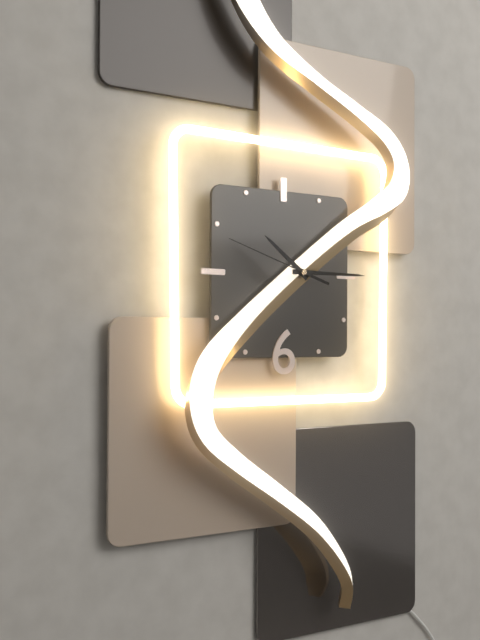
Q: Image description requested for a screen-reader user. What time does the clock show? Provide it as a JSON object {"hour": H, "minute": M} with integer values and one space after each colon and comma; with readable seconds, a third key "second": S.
{"hour": 10, "minute": 15, "second": 48}
